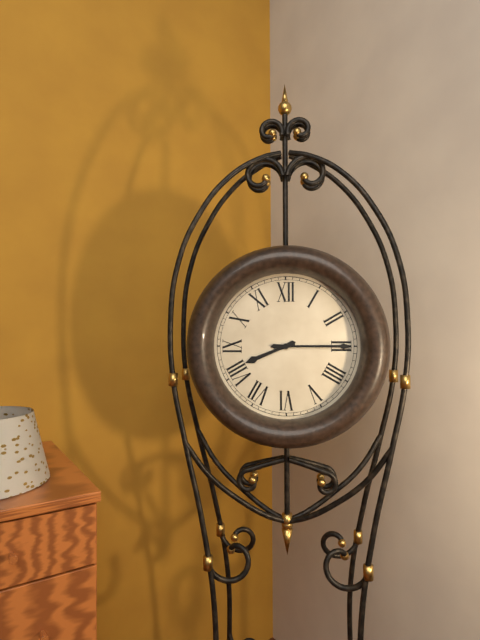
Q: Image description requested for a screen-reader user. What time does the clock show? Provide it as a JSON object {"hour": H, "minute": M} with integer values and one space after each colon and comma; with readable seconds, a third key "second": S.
{"hour": 8, "minute": 15}
